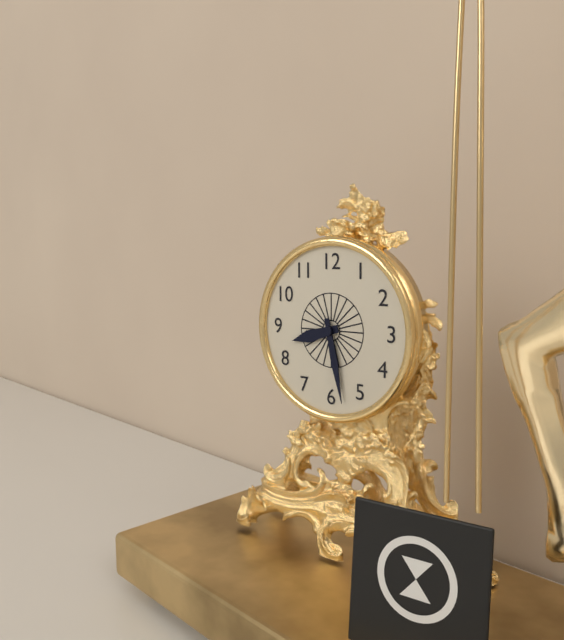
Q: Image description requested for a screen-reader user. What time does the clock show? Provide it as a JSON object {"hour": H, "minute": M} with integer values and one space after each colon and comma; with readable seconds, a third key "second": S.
{"hour": 8, "minute": 28}
